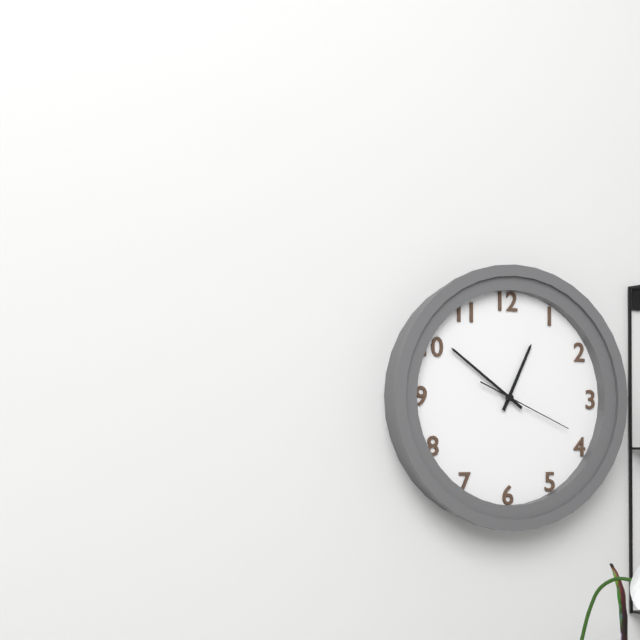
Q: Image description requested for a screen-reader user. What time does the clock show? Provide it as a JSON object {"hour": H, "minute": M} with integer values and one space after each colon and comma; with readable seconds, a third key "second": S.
{"hour": 12, "minute": 51, "second": 19}
